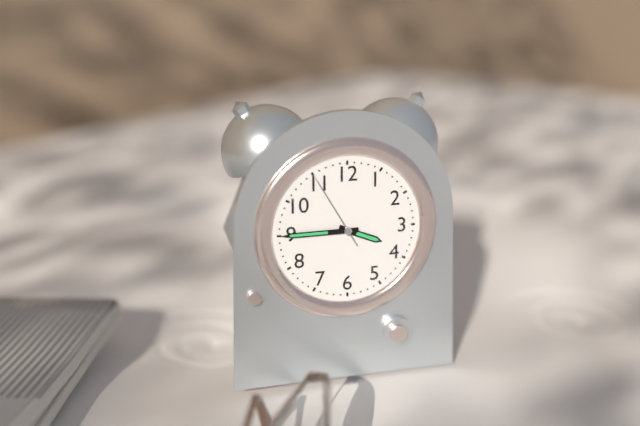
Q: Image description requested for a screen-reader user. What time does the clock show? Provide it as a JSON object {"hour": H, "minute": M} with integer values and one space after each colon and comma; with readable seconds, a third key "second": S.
{"hour": 3, "minute": 45, "second": 55}
